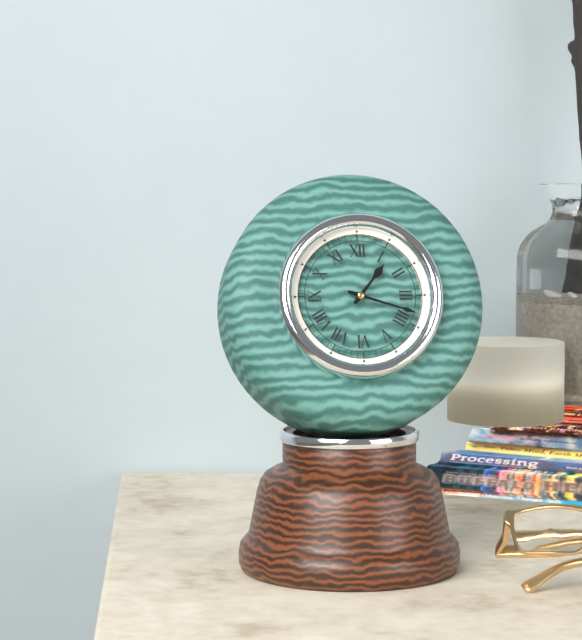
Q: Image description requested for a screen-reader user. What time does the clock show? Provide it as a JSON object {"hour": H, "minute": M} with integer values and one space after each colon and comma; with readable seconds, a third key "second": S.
{"hour": 1, "minute": 18}
